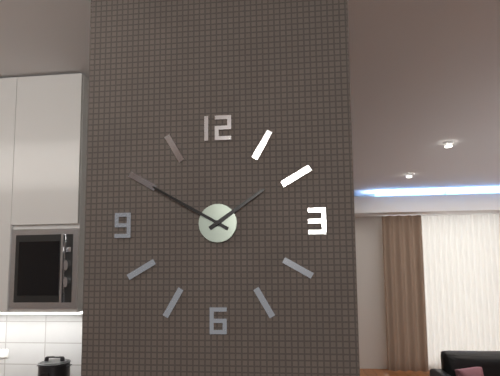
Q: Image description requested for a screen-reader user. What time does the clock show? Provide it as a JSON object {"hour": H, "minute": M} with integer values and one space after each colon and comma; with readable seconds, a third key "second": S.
{"hour": 1, "minute": 50}
